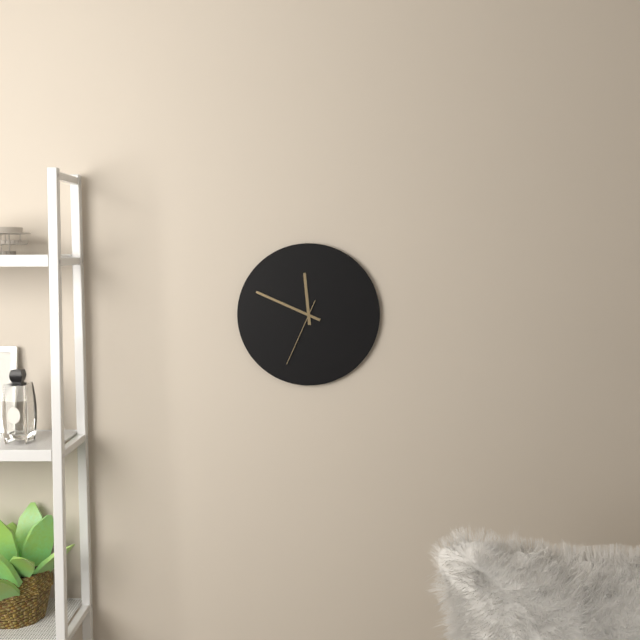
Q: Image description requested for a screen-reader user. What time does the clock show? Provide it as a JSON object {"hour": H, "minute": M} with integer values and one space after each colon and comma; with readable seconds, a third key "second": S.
{"hour": 11, "minute": 49, "second": 34}
